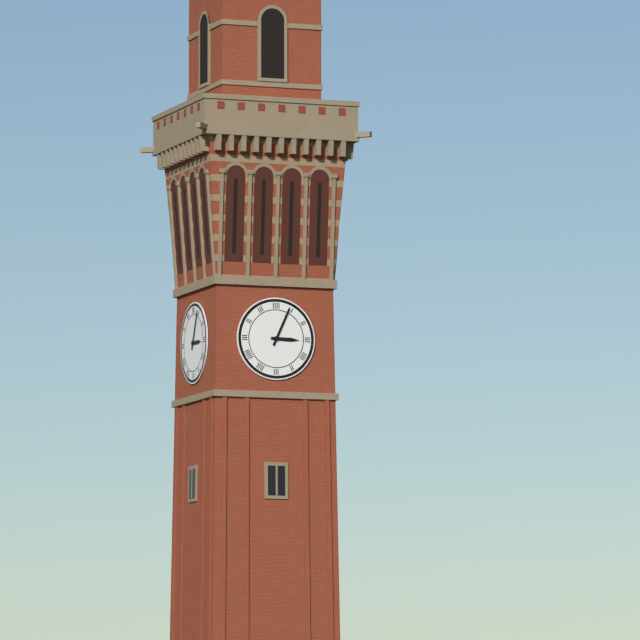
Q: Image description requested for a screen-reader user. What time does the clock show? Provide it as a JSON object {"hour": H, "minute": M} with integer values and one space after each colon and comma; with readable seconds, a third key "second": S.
{"hour": 3, "minute": 4}
